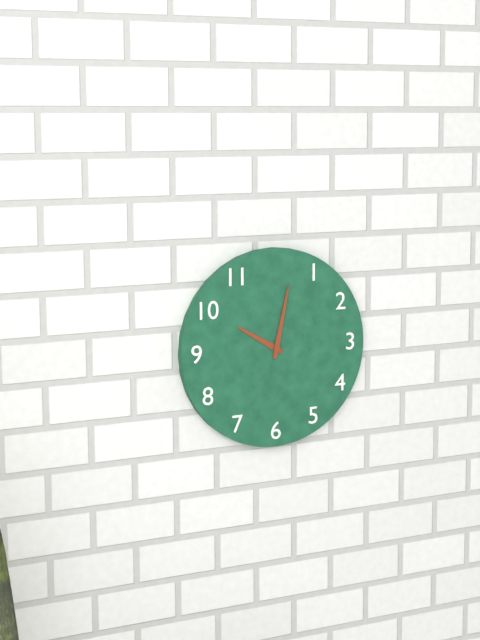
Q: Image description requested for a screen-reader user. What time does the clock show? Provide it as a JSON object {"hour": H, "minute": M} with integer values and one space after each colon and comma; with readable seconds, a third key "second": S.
{"hour": 10, "minute": 2}
